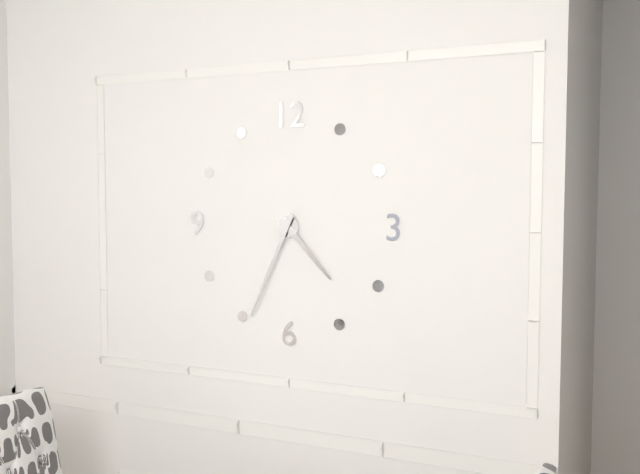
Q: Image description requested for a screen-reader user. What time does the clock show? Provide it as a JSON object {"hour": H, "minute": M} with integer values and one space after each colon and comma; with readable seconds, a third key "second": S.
{"hour": 4, "minute": 34}
